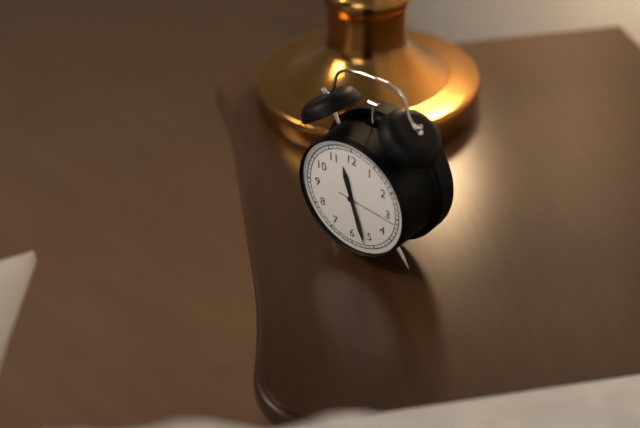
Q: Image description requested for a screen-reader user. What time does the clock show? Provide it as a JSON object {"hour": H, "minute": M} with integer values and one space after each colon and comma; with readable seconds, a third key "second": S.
{"hour": 11, "minute": 27, "second": 16}
